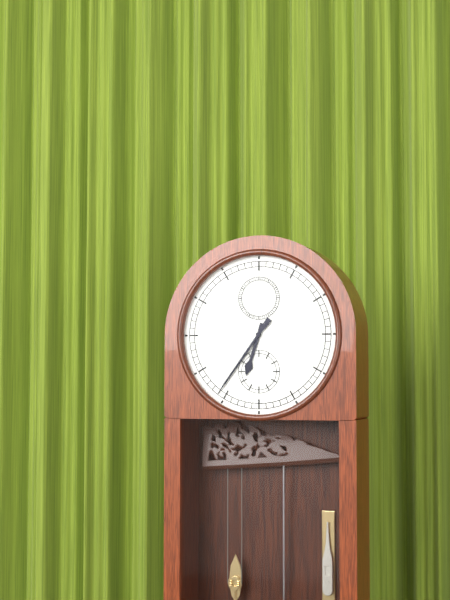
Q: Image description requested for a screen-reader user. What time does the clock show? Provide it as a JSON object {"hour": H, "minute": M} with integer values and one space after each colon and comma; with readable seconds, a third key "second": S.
{"hour": 6, "minute": 36}
